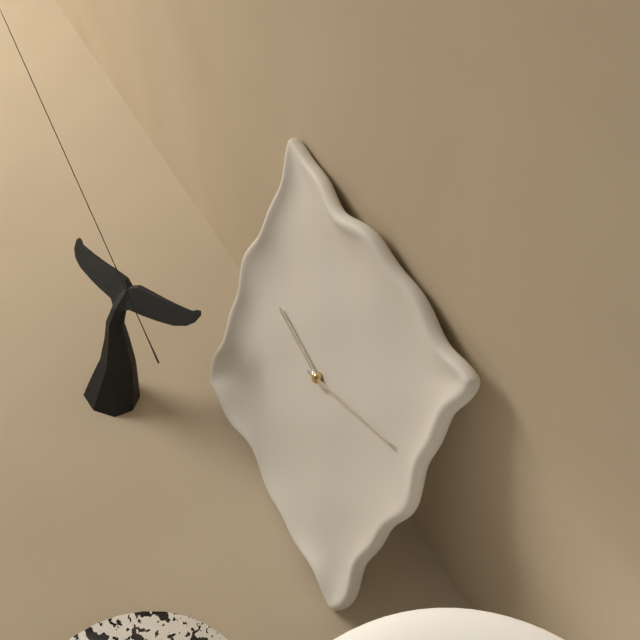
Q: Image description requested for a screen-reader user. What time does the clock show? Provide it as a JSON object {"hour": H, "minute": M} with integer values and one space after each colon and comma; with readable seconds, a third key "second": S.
{"hour": 9, "minute": 12}
